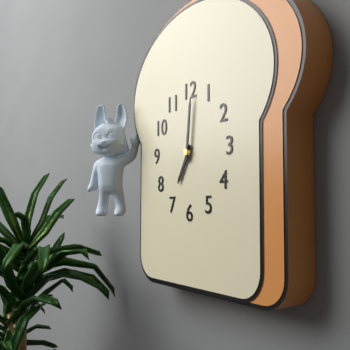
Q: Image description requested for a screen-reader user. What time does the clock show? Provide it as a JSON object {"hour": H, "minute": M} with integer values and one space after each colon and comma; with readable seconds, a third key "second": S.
{"hour": 7, "minute": 1}
